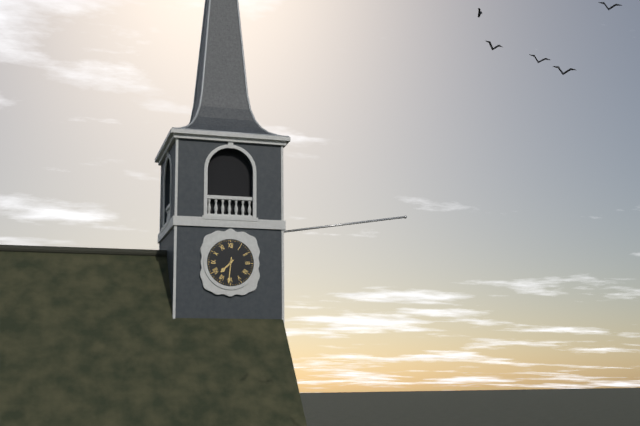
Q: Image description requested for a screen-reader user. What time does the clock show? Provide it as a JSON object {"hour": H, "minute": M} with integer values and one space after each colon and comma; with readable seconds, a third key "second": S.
{"hour": 7, "minute": 31}
